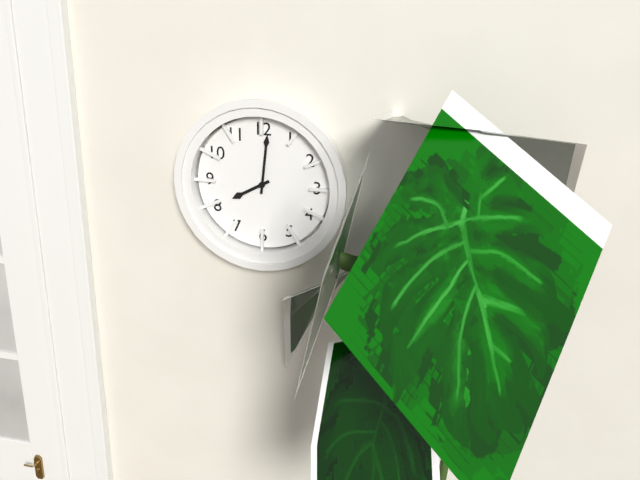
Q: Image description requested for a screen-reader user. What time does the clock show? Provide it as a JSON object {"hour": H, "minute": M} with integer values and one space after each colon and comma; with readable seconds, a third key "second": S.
{"hour": 8, "minute": 1}
